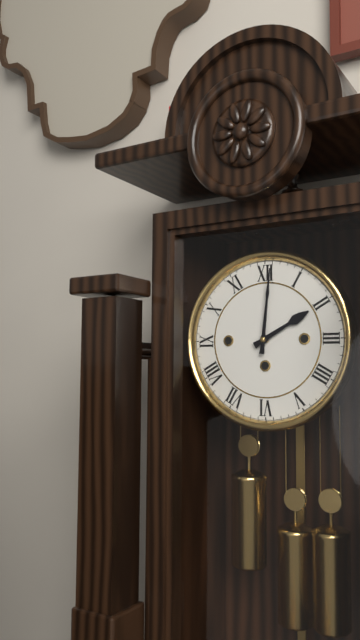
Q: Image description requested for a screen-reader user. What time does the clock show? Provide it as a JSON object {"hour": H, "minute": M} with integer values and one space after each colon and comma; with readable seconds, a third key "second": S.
{"hour": 2, "minute": 1}
